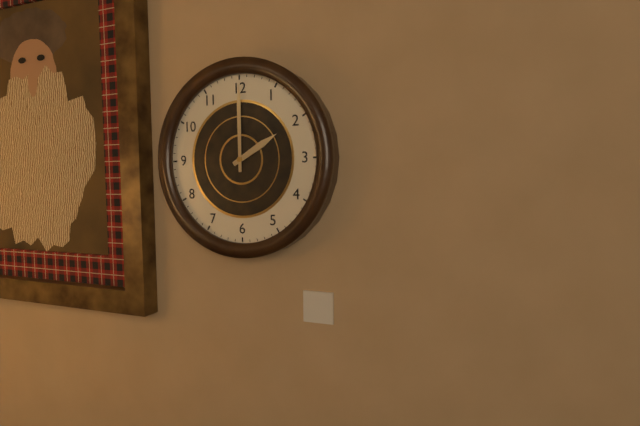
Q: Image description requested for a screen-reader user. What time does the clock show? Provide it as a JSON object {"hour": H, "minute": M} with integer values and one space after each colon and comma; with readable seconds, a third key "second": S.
{"hour": 2, "minute": 0}
